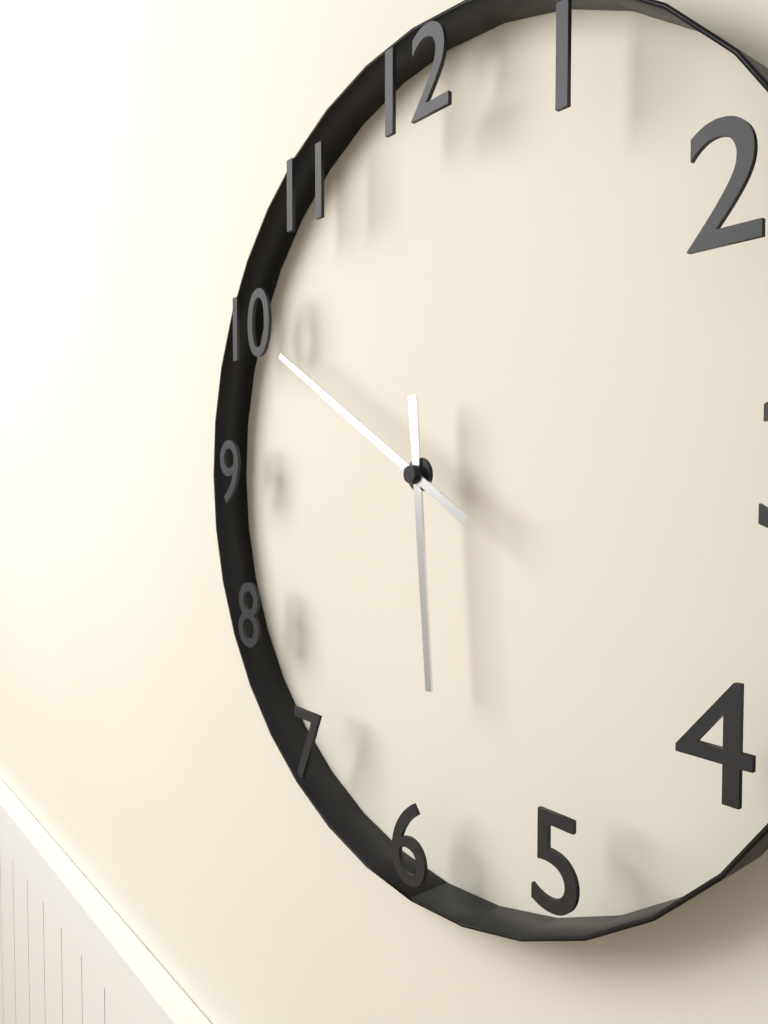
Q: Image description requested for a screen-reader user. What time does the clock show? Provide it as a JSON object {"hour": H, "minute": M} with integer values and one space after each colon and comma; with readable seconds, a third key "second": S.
{"hour": 5, "minute": 50}
